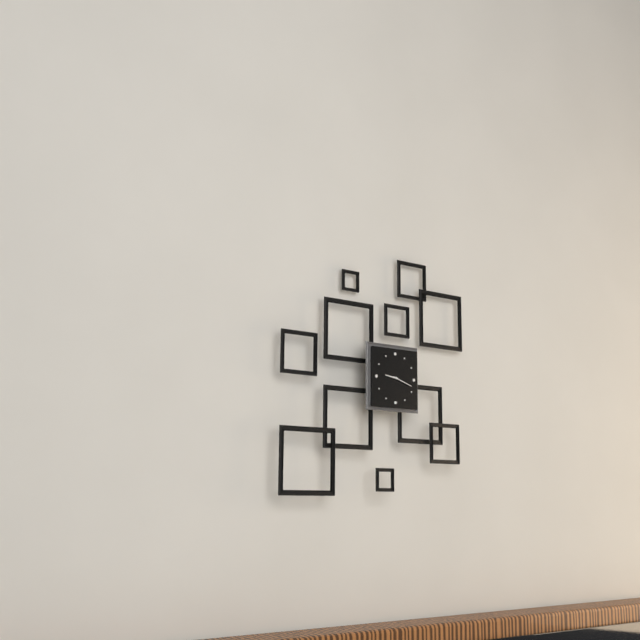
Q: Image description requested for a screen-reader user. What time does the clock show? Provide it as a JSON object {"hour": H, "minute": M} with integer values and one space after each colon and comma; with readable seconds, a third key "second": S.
{"hour": 9, "minute": 18}
